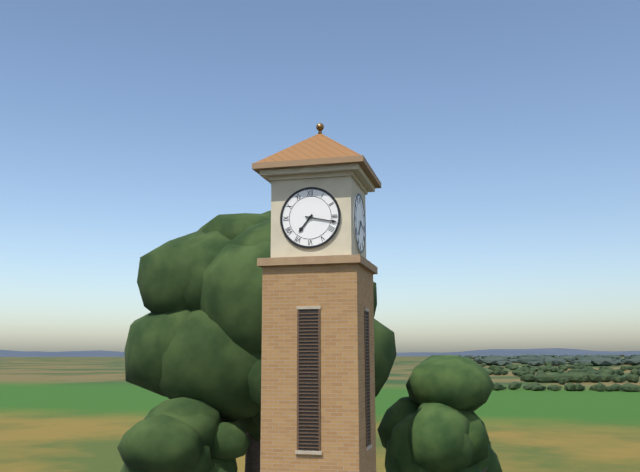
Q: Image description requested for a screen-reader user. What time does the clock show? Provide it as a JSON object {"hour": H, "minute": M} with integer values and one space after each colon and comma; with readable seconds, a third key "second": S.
{"hour": 7, "minute": 17}
